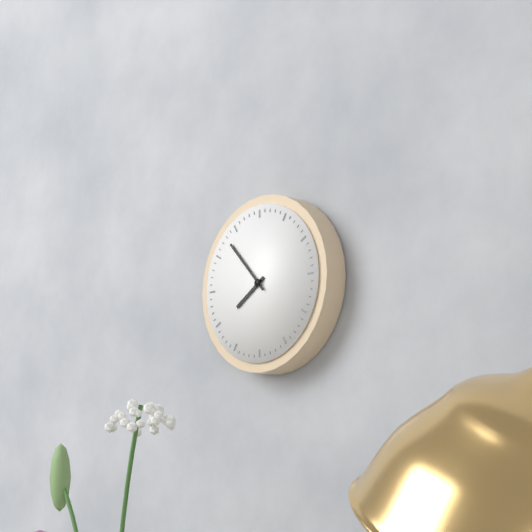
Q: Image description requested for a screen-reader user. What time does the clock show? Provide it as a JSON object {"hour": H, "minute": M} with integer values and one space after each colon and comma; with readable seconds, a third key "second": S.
{"hour": 7, "minute": 53}
